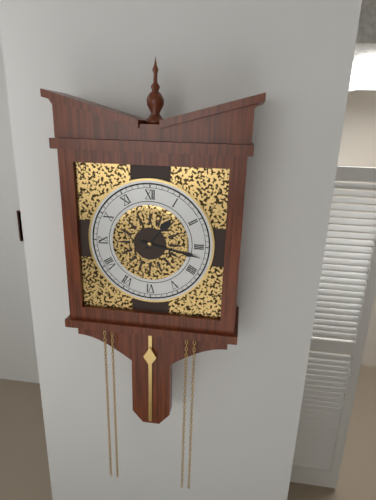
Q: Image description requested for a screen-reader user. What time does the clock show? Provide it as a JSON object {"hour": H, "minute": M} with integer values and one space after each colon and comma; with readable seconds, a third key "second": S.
{"hour": 1, "minute": 17}
